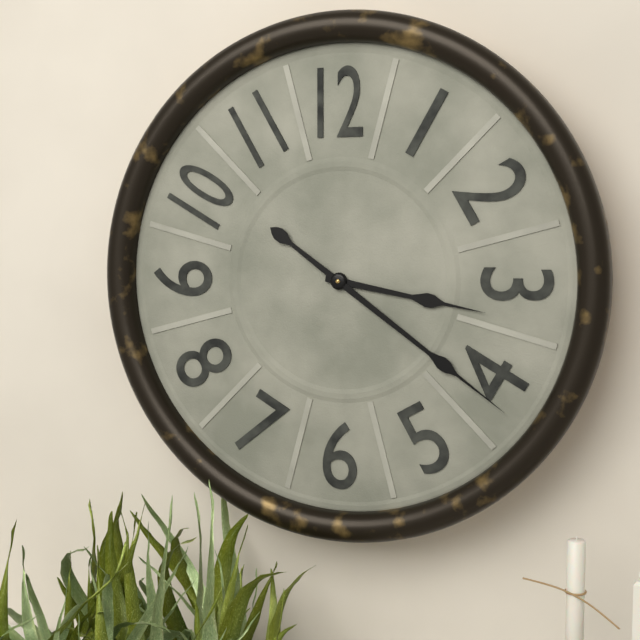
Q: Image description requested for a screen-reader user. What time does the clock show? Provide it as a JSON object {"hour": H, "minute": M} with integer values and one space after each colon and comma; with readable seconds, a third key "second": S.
{"hour": 3, "minute": 21}
